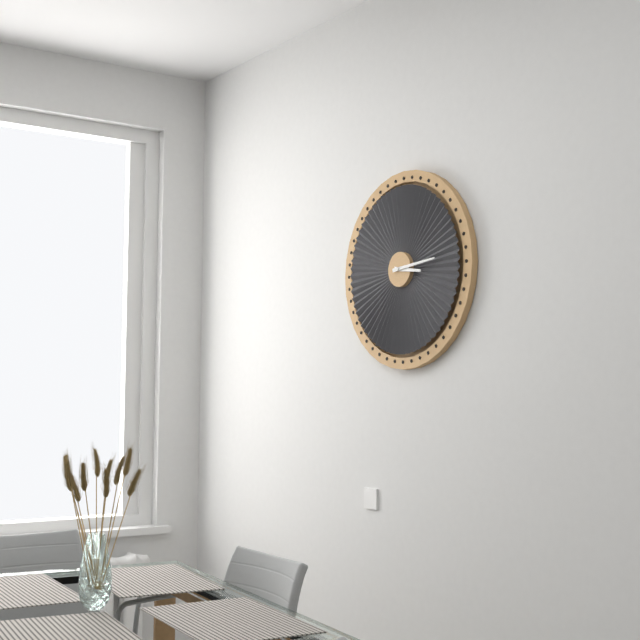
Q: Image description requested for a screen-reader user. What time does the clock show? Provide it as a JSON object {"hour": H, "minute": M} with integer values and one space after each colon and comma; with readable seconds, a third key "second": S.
{"hour": 3, "minute": 14}
